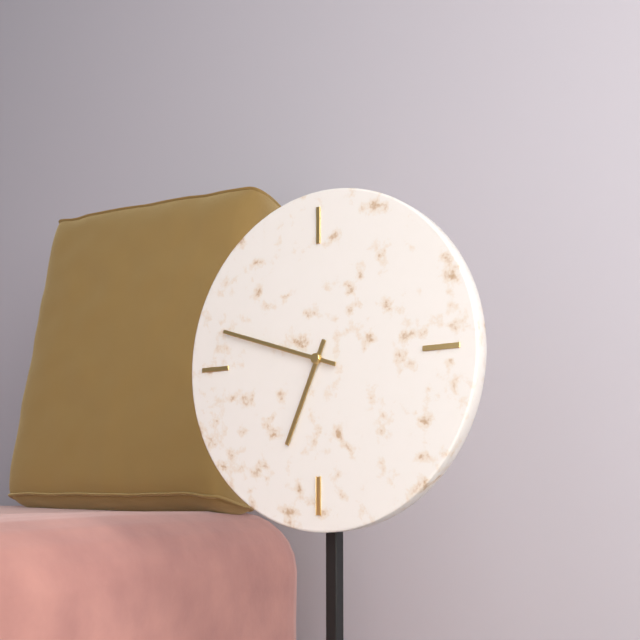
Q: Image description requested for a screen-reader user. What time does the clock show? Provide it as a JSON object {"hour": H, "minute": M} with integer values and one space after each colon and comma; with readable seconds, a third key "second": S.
{"hour": 6, "minute": 48}
